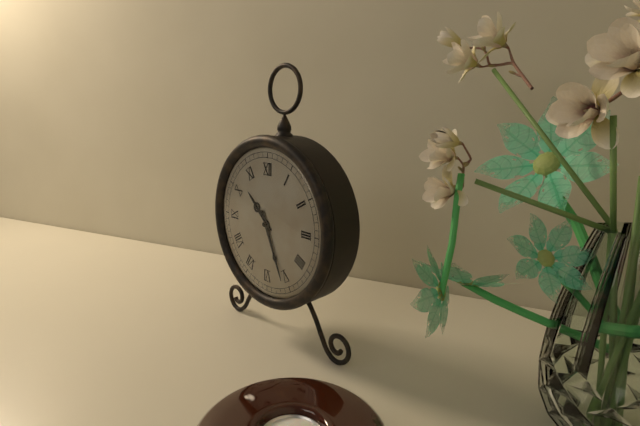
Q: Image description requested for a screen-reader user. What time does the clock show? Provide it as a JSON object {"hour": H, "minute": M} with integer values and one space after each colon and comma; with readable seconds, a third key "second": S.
{"hour": 10, "minute": 26}
